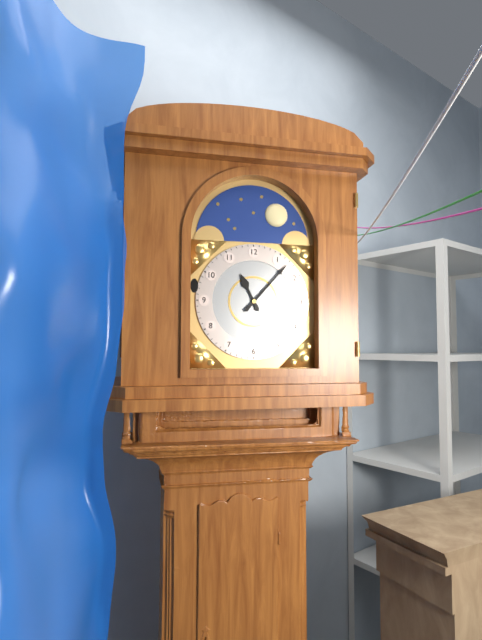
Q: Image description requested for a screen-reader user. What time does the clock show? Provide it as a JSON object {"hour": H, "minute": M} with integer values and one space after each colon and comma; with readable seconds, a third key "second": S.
{"hour": 11, "minute": 7}
